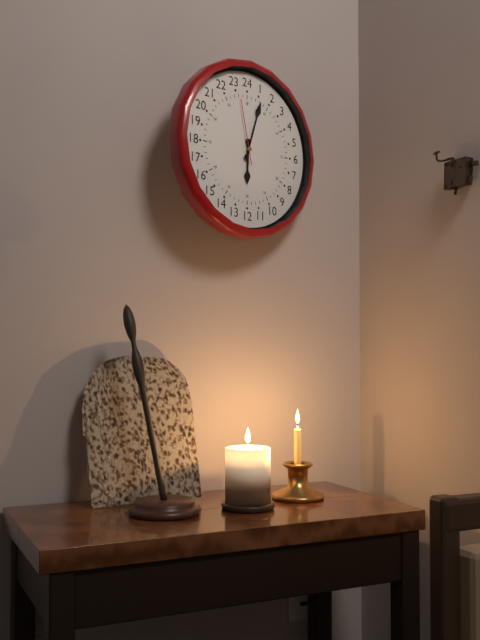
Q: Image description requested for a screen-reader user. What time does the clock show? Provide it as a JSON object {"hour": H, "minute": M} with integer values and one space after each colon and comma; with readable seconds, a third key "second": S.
{"hour": 6, "minute": 3, "second": 58}
